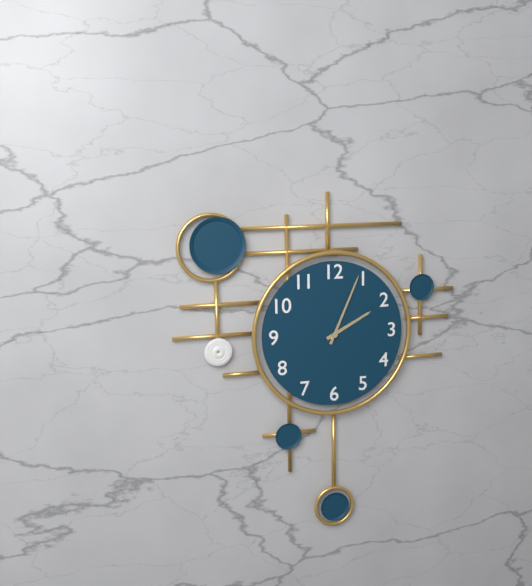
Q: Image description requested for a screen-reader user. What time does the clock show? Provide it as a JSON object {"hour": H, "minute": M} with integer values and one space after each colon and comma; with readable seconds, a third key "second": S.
{"hour": 2, "minute": 4}
